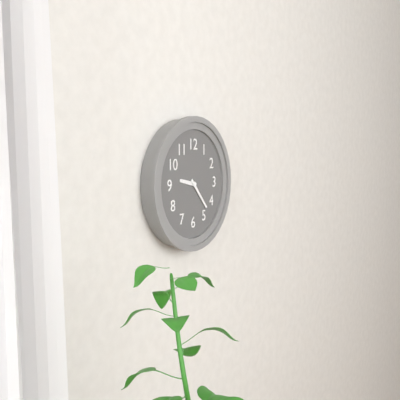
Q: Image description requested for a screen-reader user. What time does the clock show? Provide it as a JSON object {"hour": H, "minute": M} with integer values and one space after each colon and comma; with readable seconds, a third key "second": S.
{"hour": 9, "minute": 23}
